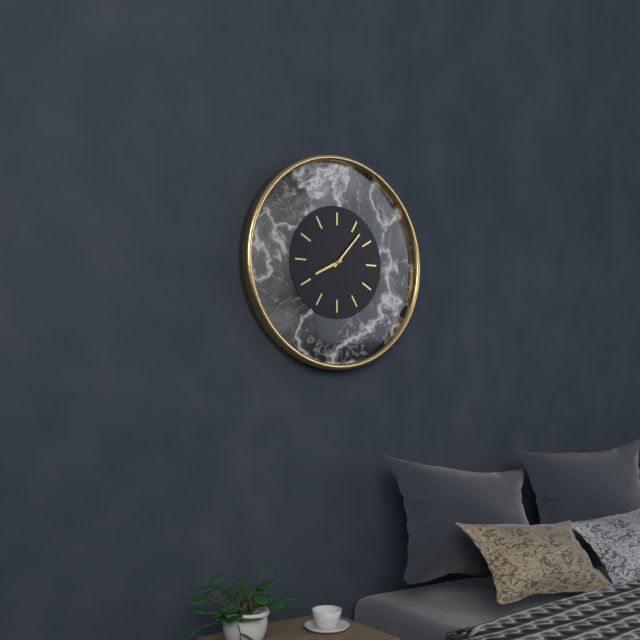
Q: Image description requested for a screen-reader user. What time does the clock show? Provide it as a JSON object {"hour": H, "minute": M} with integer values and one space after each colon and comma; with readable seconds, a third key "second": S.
{"hour": 8, "minute": 7}
